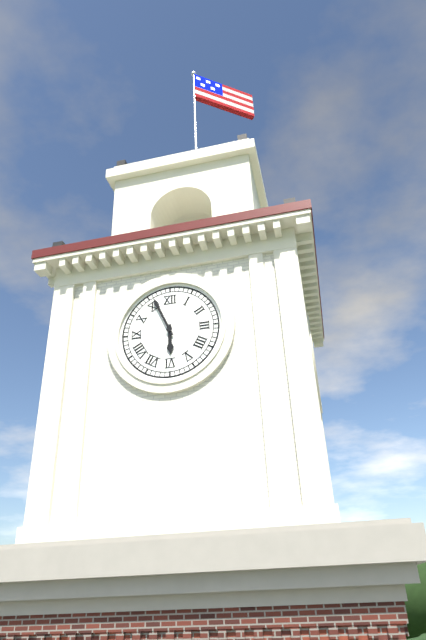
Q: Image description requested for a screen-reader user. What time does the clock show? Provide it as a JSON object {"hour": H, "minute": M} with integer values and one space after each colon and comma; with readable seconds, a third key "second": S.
{"hour": 5, "minute": 56}
